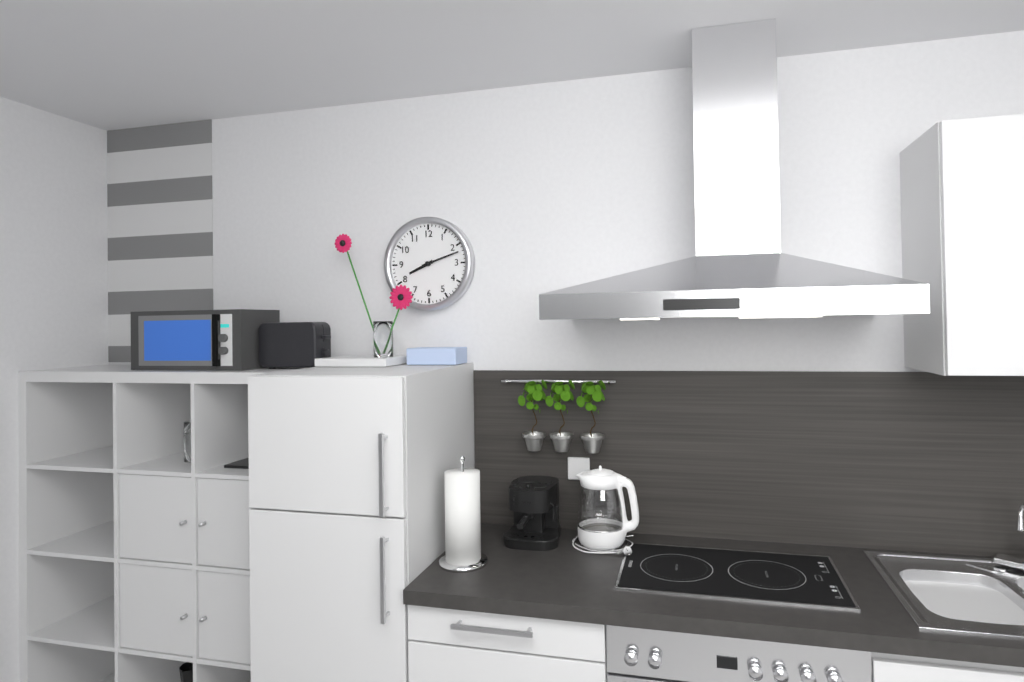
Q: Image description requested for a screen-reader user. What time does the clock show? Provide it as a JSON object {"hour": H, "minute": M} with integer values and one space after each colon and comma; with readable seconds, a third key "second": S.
{"hour": 8, "minute": 12}
